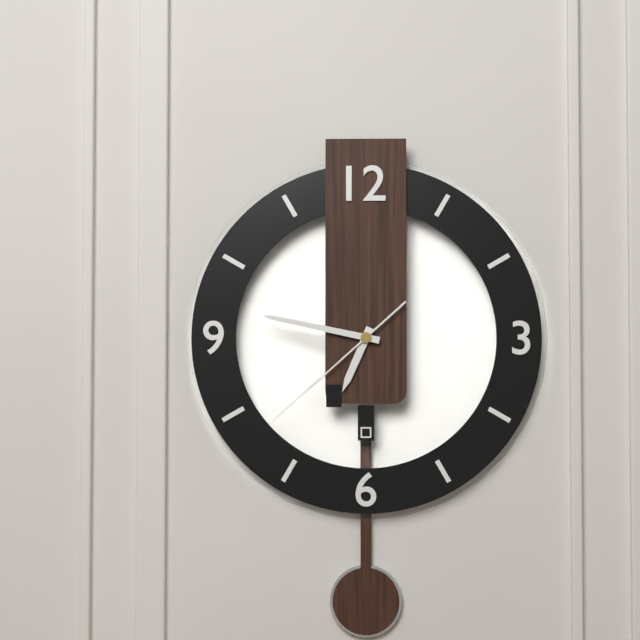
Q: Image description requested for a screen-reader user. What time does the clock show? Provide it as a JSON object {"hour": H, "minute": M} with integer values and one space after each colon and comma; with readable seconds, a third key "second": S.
{"hour": 6, "minute": 47, "second": 38}
